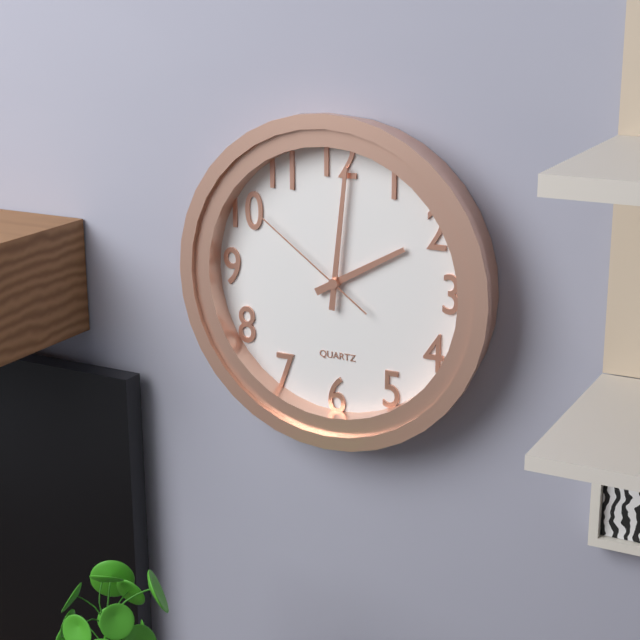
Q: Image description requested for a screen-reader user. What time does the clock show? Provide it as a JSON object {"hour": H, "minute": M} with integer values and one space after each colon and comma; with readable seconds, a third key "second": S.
{"hour": 2, "minute": 1, "second": 51}
